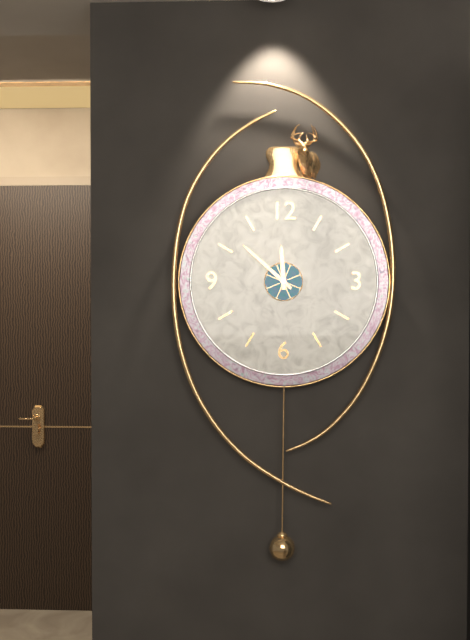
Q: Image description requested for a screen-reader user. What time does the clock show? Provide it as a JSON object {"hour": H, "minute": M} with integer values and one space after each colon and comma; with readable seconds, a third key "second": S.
{"hour": 11, "minute": 52}
